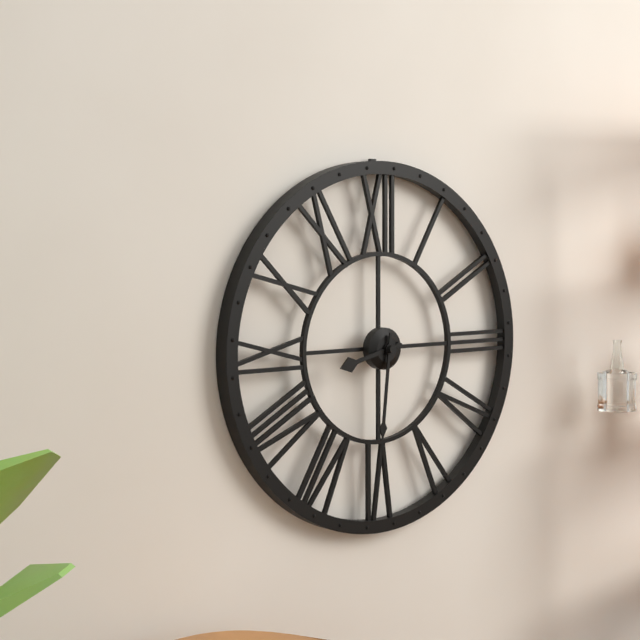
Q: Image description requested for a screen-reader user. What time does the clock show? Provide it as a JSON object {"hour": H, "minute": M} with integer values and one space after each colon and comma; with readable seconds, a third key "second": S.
{"hour": 8, "minute": 31}
